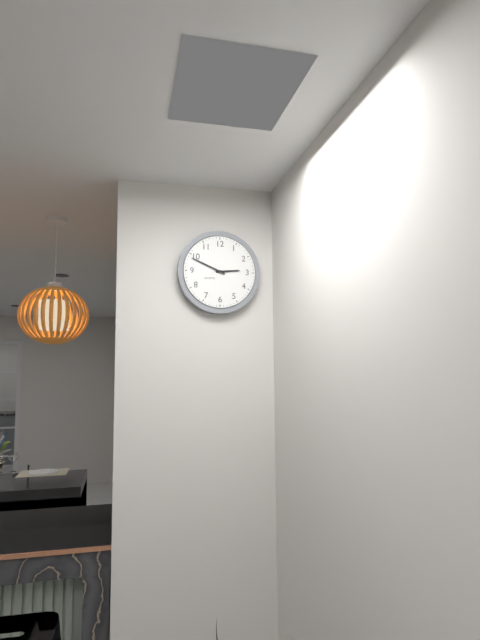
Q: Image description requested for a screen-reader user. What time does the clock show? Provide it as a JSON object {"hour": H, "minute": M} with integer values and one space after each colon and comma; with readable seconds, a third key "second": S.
{"hour": 2, "minute": 49}
